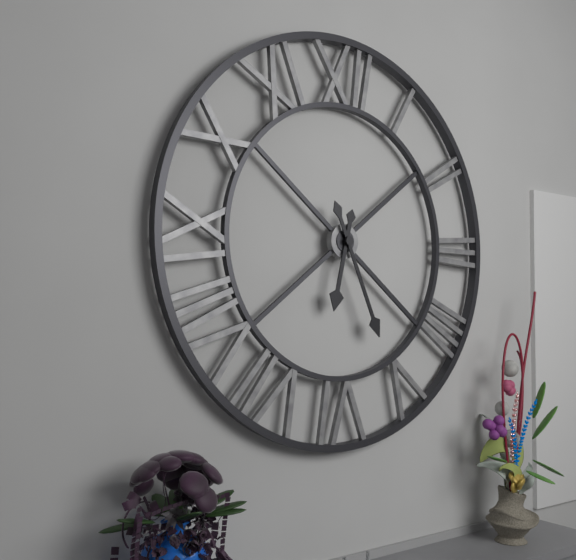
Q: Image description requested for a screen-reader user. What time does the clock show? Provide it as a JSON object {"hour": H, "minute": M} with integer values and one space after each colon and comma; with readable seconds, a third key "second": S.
{"hour": 6, "minute": 26}
